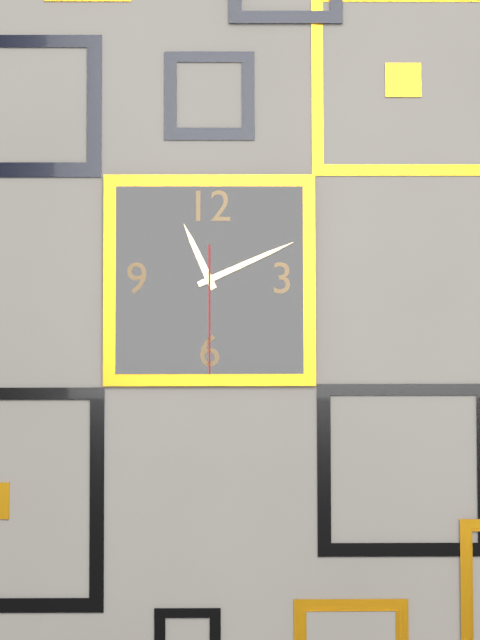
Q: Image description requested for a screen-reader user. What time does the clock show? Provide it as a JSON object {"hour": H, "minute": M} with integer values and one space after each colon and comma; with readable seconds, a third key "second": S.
{"hour": 11, "minute": 11, "second": 30}
